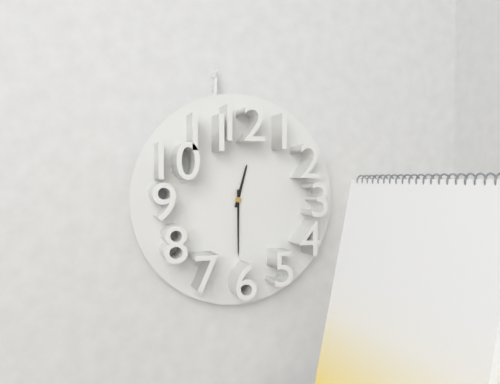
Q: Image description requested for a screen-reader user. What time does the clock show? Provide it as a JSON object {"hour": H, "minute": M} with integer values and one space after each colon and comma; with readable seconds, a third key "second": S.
{"hour": 12, "minute": 30}
